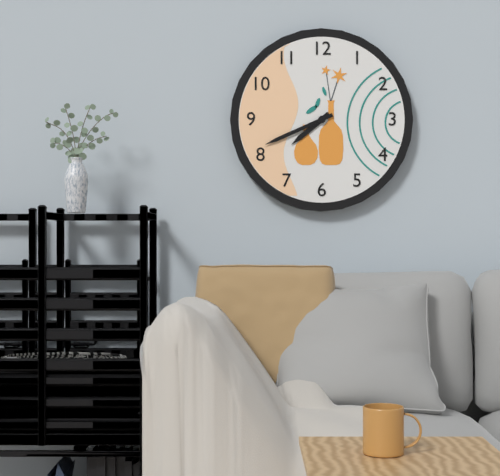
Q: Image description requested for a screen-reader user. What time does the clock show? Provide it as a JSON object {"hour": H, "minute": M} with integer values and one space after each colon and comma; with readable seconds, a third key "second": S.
{"hour": 7, "minute": 41}
